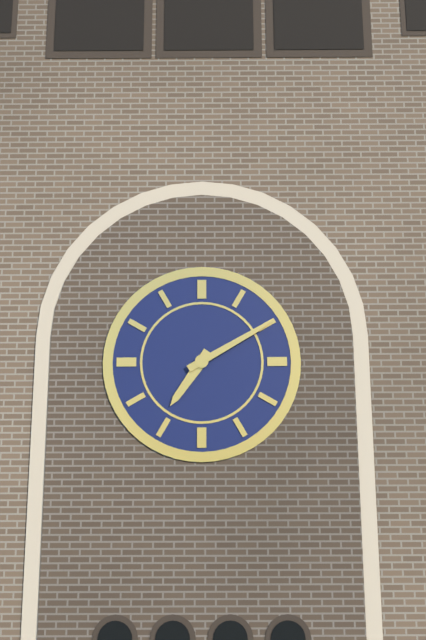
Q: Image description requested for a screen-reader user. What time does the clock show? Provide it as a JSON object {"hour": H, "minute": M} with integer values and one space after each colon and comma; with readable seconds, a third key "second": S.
{"hour": 7, "minute": 10}
